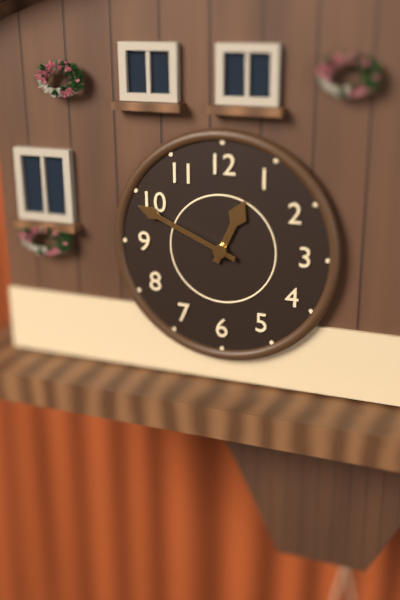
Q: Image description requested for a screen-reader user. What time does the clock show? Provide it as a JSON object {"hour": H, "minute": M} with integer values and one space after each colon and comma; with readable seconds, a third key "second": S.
{"hour": 12, "minute": 49}
